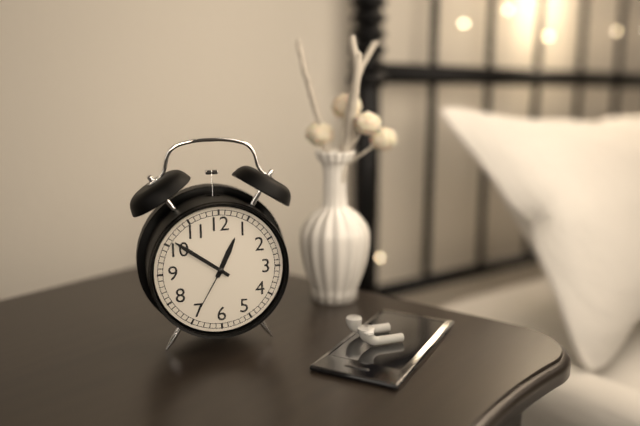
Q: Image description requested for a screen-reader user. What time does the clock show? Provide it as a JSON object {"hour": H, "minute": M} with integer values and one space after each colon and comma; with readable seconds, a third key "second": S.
{"hour": 12, "minute": 51, "second": 35}
